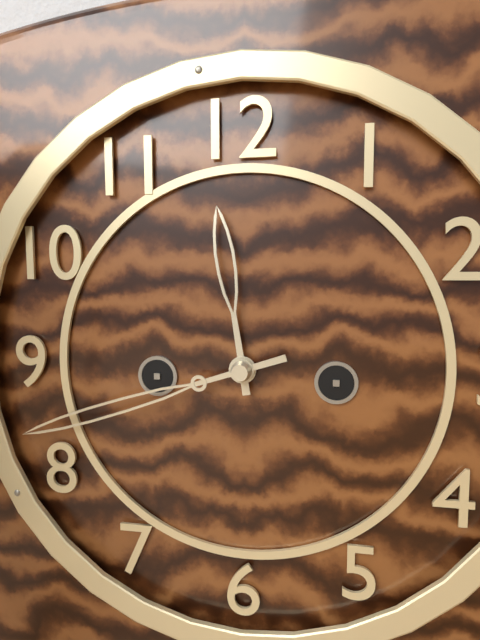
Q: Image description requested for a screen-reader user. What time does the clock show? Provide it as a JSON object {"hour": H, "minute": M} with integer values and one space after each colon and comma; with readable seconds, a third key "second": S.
{"hour": 11, "minute": 42}
